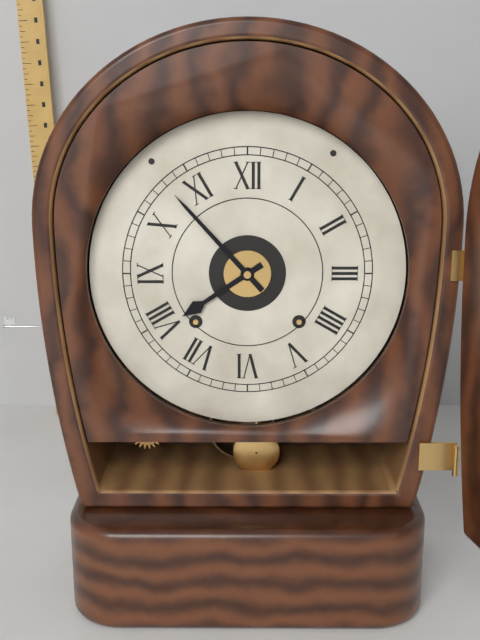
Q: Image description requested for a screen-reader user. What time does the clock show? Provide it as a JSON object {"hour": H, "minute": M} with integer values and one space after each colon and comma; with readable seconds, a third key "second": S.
{"hour": 7, "minute": 53}
